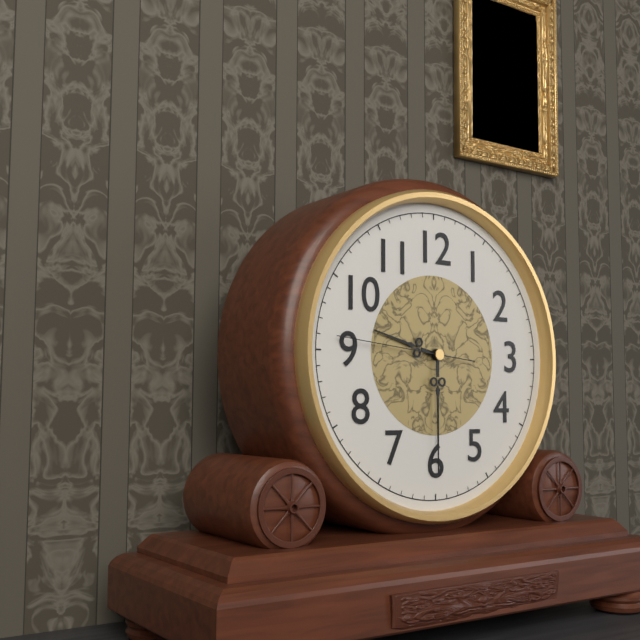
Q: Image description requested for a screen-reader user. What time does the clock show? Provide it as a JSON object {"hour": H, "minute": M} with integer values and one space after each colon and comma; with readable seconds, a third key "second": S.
{"hour": 9, "minute": 30, "second": 46}
